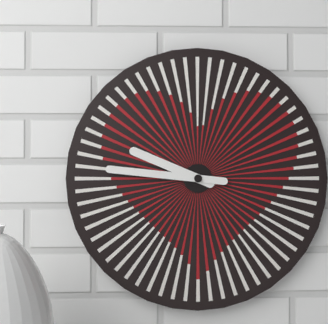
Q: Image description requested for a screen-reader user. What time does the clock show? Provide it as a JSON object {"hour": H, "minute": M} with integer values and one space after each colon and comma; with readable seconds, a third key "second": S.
{"hour": 9, "minute": 46}
